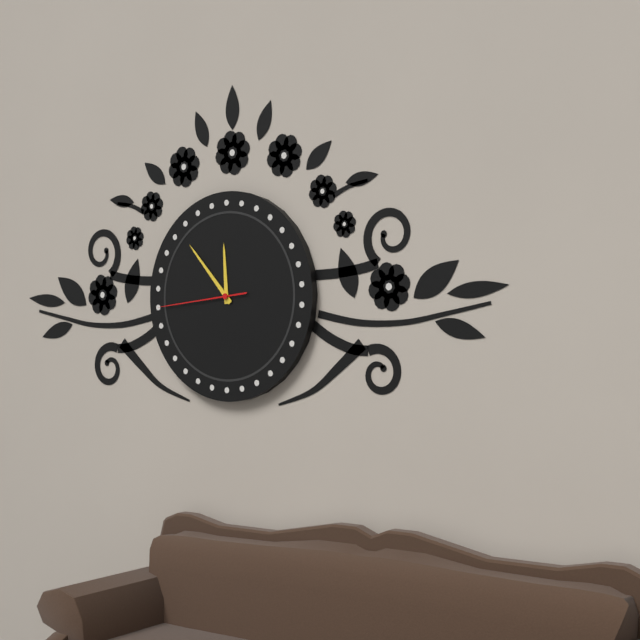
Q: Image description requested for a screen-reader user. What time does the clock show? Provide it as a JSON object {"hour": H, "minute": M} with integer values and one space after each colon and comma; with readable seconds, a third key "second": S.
{"hour": 11, "minute": 53, "second": 44}
